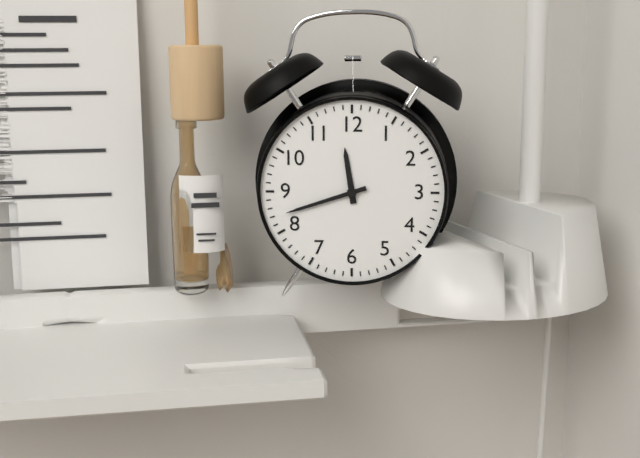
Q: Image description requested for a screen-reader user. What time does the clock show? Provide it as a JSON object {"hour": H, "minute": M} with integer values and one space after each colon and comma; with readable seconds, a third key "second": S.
{"hour": 11, "minute": 42}
